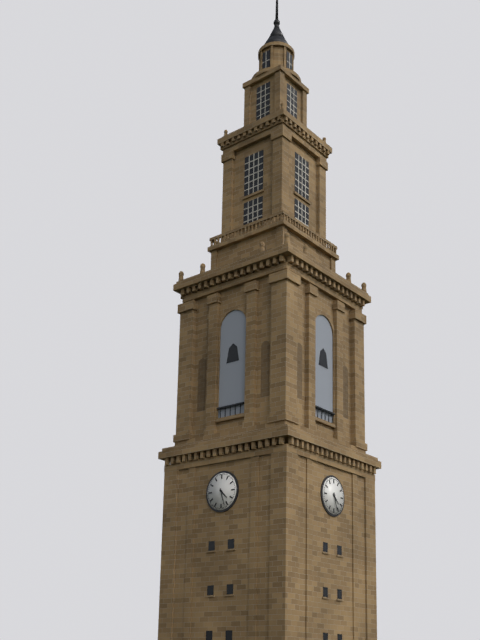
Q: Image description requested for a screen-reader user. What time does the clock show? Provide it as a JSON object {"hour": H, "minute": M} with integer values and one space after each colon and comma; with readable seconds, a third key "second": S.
{"hour": 4, "minute": 27}
